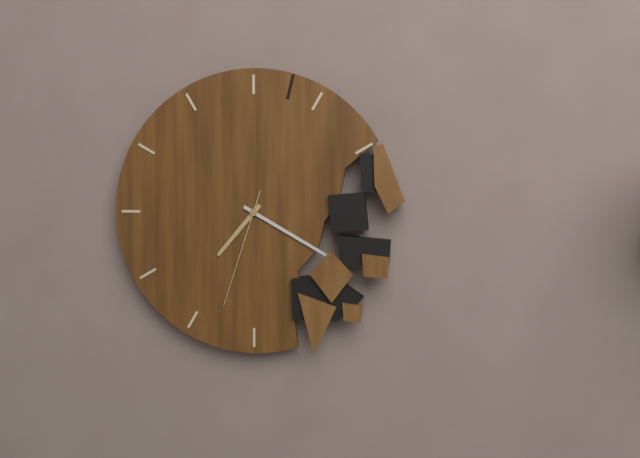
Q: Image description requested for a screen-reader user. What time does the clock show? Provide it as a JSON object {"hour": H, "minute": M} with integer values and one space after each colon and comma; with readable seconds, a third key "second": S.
{"hour": 7, "minute": 20, "second": 33}
